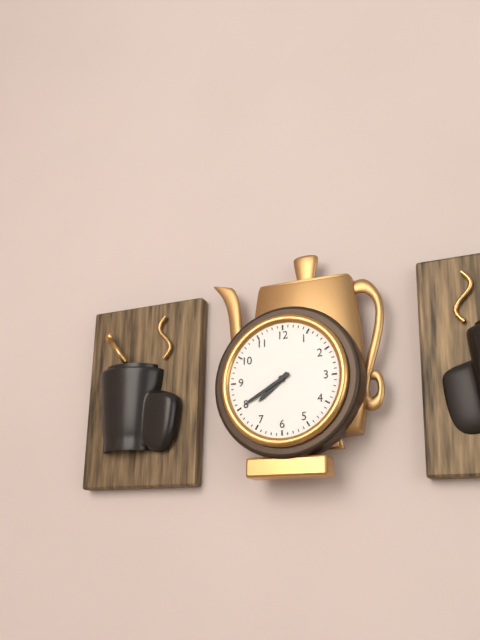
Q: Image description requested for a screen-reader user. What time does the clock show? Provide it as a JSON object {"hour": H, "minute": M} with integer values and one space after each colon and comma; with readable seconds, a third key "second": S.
{"hour": 7, "minute": 40}
